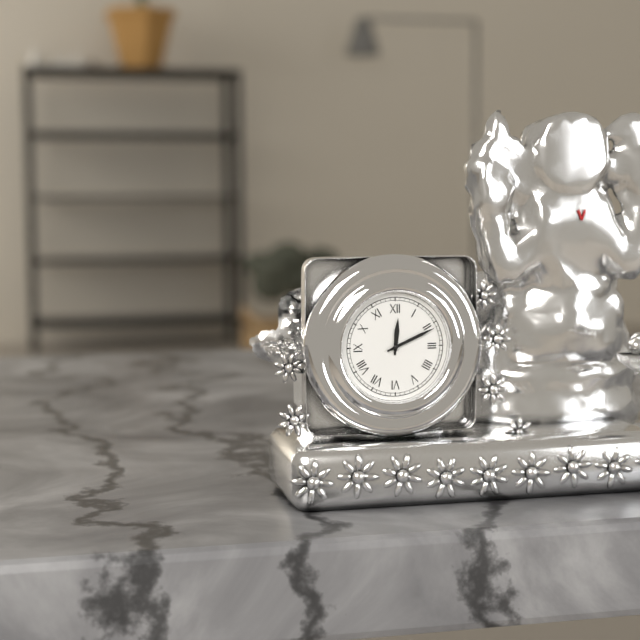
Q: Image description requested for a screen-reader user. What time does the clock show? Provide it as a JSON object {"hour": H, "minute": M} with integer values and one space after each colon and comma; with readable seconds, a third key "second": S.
{"hour": 12, "minute": 11}
